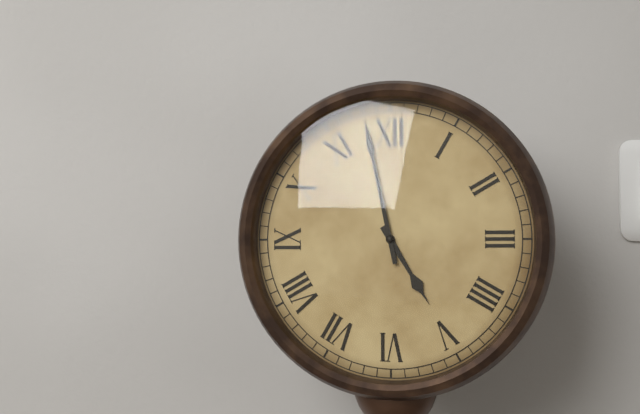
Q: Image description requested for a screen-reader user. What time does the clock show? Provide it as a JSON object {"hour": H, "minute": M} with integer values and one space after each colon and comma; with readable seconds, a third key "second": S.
{"hour": 4, "minute": 58}
